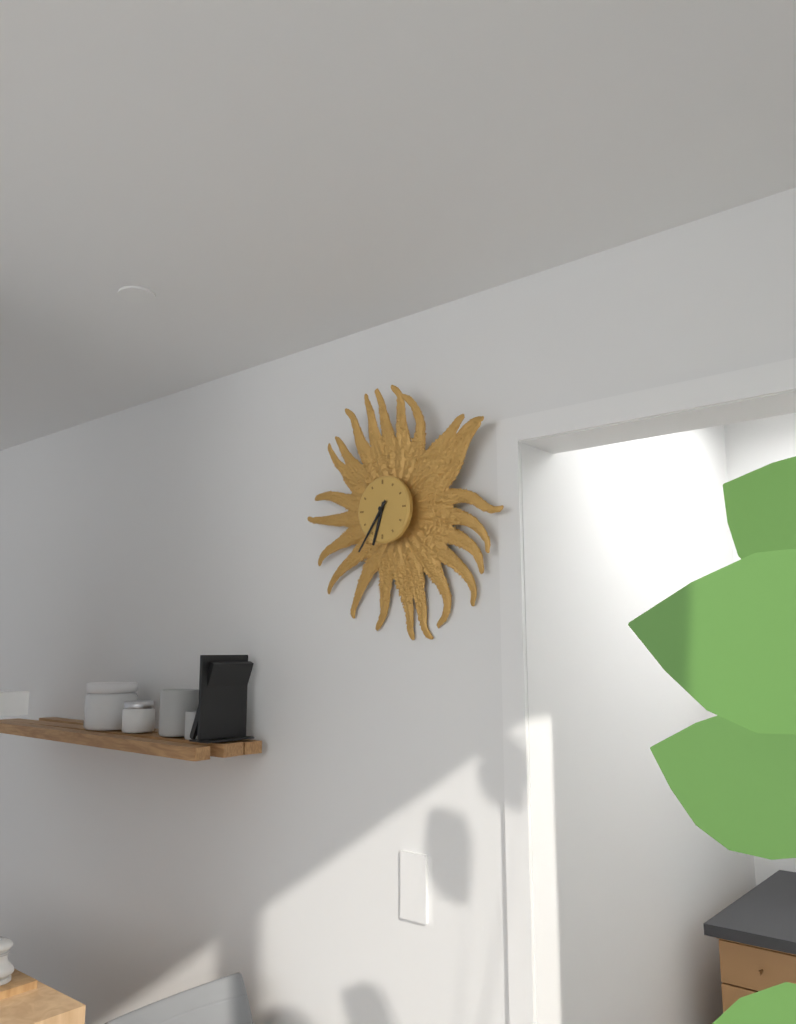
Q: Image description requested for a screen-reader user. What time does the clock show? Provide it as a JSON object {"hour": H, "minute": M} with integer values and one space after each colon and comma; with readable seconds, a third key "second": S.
{"hour": 6, "minute": 36}
